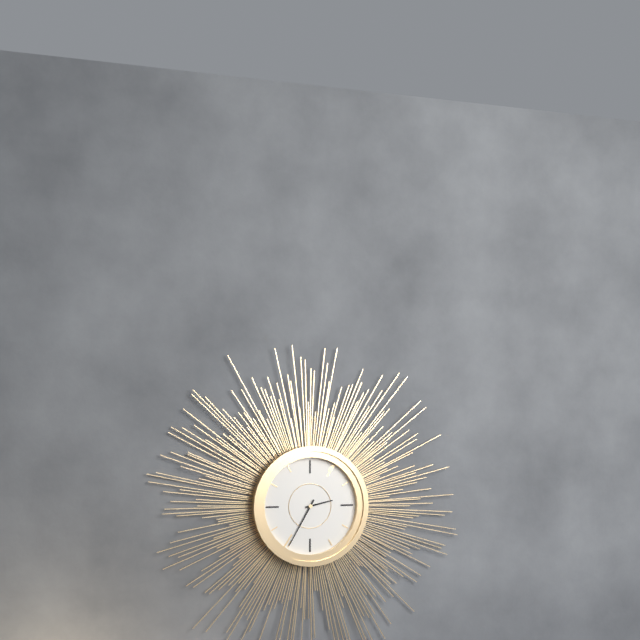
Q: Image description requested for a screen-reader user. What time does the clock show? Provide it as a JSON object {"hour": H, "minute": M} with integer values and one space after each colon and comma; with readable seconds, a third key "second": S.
{"hour": 2, "minute": 35}
